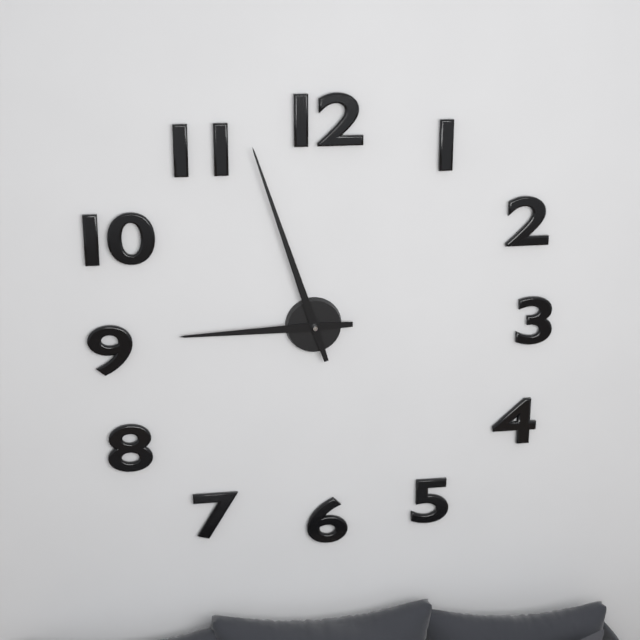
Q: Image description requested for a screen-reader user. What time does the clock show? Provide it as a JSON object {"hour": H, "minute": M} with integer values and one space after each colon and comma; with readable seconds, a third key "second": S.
{"hour": 8, "minute": 57}
